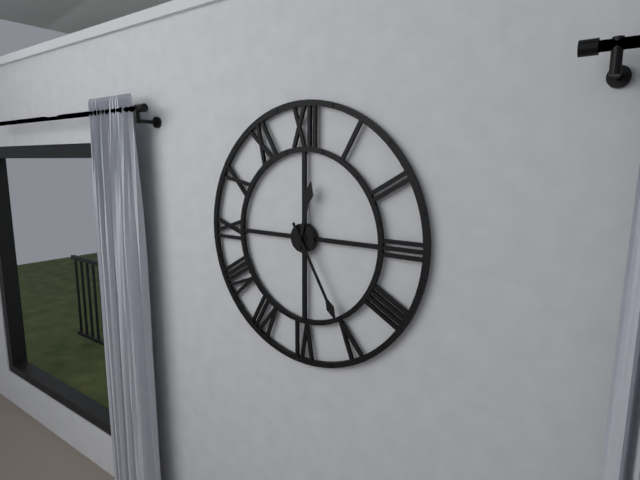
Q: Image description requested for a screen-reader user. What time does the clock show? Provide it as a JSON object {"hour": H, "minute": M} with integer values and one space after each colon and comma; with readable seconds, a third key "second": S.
{"hour": 12, "minute": 25}
